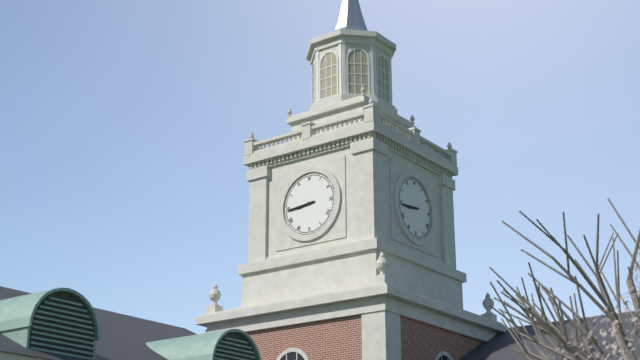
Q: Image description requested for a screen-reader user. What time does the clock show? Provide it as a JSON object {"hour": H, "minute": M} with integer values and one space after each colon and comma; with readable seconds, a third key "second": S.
{"hour": 8, "minute": 44}
